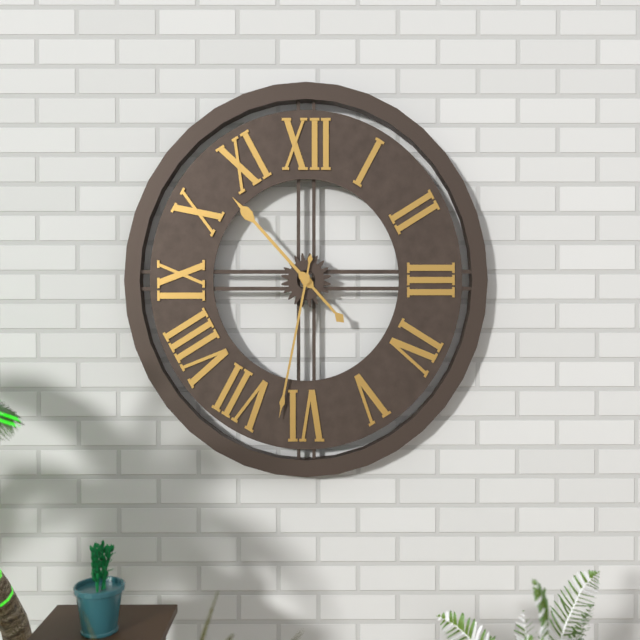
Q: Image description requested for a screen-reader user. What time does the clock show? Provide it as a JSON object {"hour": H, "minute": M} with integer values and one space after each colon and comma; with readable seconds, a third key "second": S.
{"hour": 10, "minute": 32}
